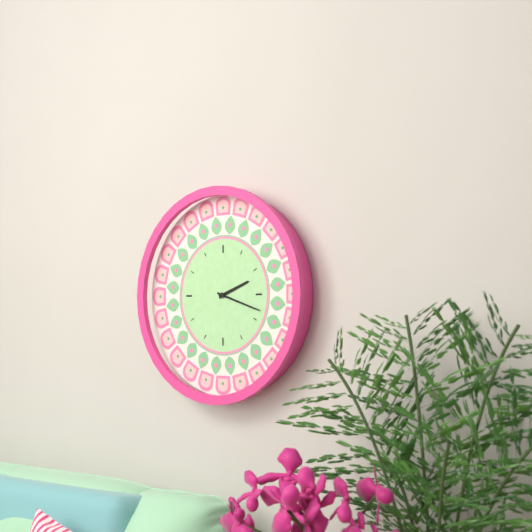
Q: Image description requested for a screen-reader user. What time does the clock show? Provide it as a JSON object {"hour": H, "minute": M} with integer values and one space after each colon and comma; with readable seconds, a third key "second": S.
{"hour": 2, "minute": 18}
